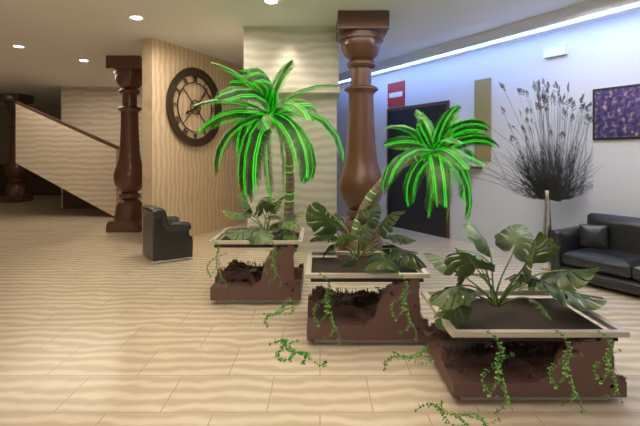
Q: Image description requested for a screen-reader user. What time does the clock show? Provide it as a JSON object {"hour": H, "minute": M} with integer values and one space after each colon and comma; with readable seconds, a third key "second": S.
{"hour": 8, "minute": 6}
